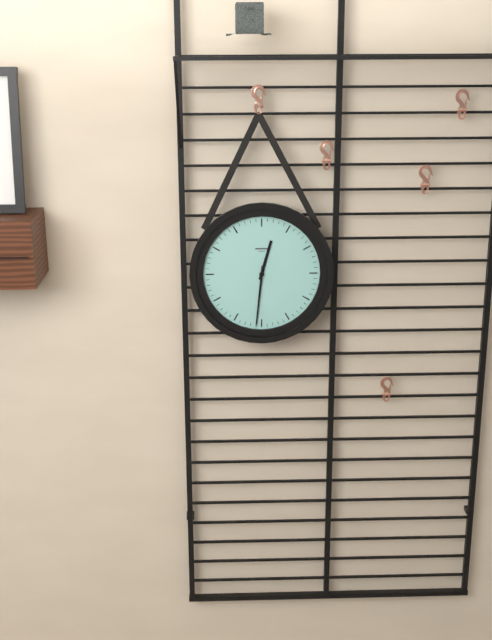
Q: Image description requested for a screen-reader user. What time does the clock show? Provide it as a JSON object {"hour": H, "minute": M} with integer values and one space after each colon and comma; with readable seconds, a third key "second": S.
{"hour": 12, "minute": 31}
